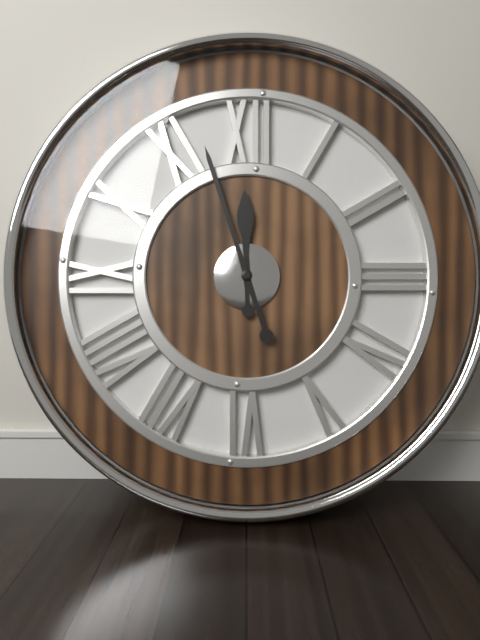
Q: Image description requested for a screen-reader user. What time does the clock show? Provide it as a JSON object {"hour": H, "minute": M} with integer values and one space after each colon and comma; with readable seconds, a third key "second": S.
{"hour": 11, "minute": 57}
